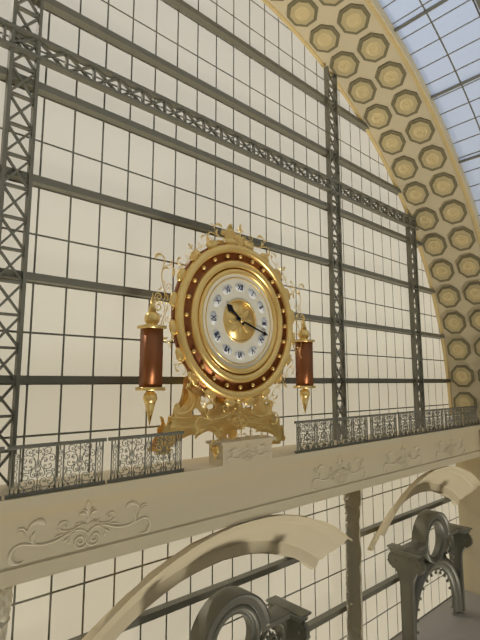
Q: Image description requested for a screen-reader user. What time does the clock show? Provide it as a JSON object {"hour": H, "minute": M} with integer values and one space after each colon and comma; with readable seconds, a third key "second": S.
{"hour": 10, "minute": 18}
